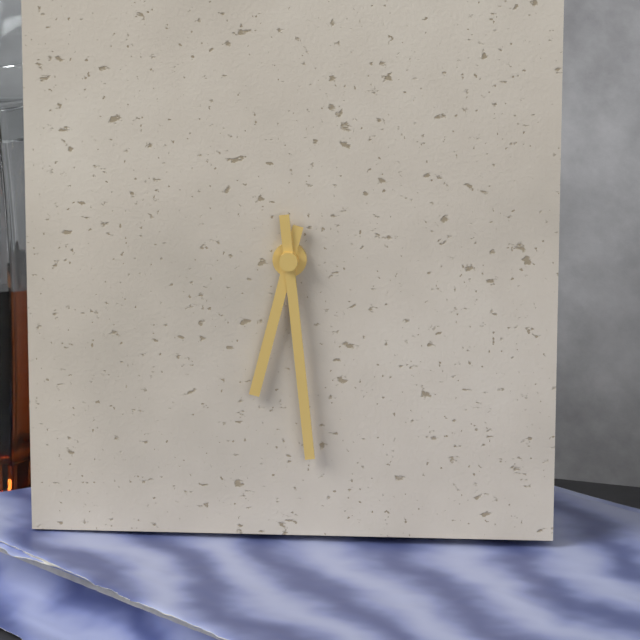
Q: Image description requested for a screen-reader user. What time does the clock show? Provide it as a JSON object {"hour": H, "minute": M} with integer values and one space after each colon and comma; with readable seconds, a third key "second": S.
{"hour": 6, "minute": 29}
